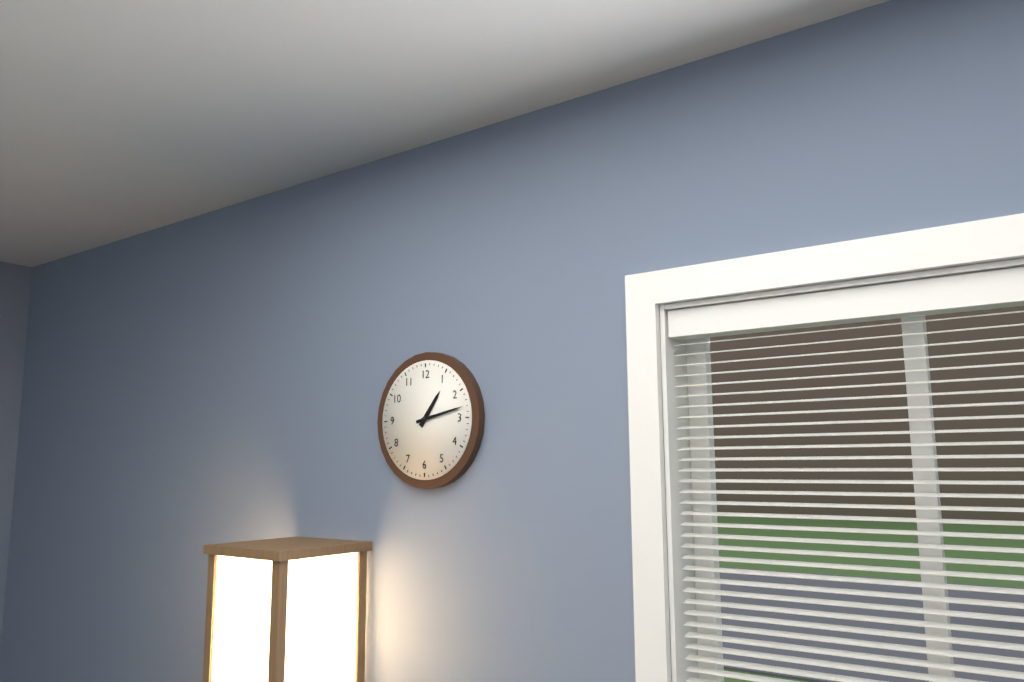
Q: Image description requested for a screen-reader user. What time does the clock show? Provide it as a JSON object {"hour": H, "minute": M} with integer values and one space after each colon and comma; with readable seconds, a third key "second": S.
{"hour": 1, "minute": 13}
